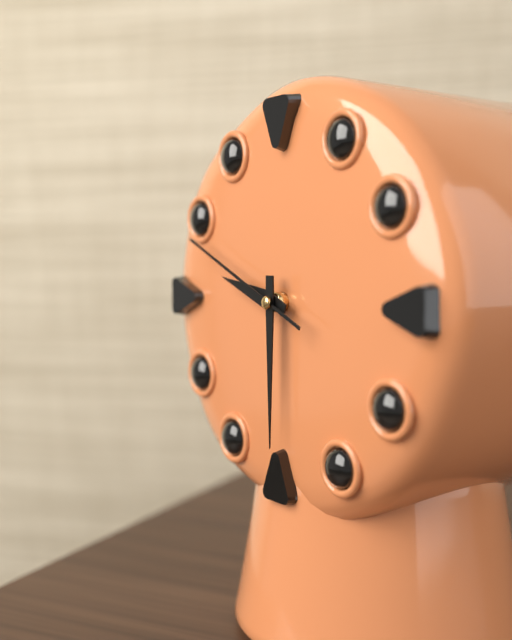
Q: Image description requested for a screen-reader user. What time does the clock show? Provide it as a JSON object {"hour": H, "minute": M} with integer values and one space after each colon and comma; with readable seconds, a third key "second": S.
{"hour": 9, "minute": 30, "second": 49}
